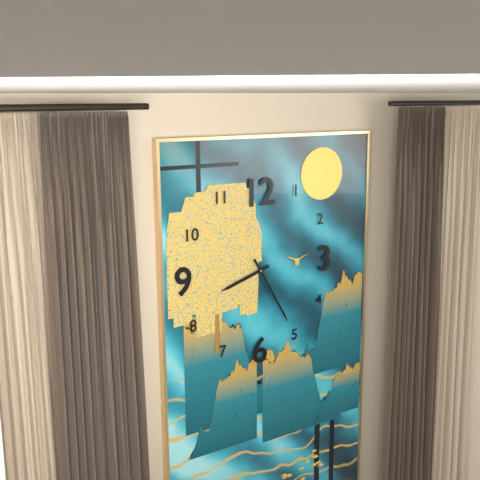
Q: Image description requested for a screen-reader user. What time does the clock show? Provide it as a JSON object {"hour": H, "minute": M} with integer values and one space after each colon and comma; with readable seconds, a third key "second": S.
{"hour": 8, "minute": 25}
